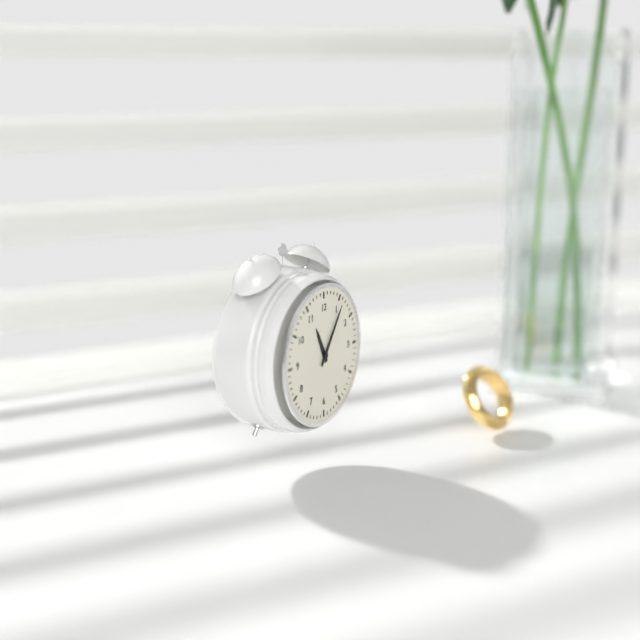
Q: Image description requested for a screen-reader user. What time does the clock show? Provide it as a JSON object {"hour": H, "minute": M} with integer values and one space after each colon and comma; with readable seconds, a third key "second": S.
{"hour": 11, "minute": 6}
